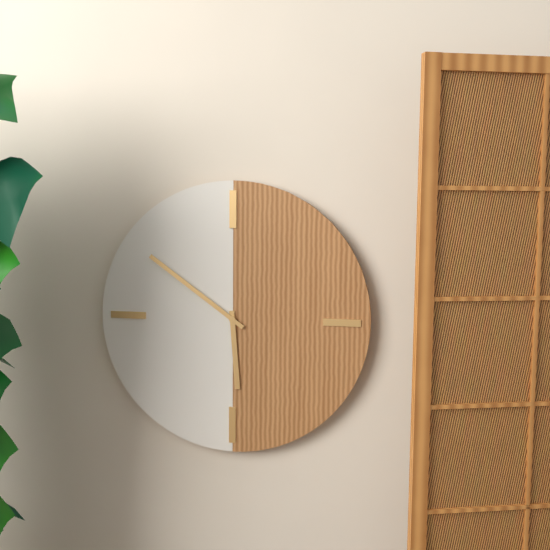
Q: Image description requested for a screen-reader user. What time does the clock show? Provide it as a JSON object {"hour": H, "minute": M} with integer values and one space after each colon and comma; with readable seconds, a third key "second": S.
{"hour": 5, "minute": 51}
